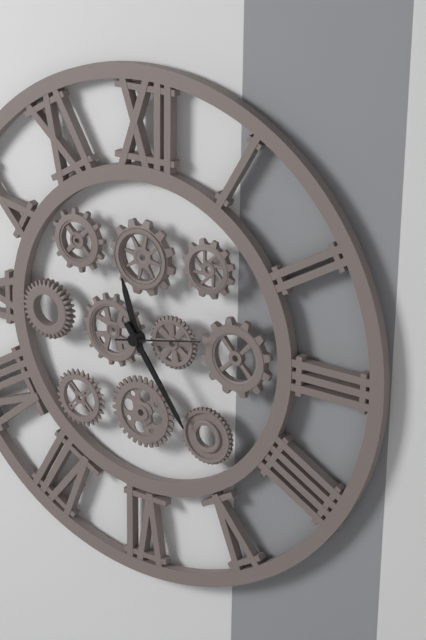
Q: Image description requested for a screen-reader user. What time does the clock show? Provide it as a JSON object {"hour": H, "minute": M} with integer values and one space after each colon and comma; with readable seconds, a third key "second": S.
{"hour": 11, "minute": 24, "second": 13}
